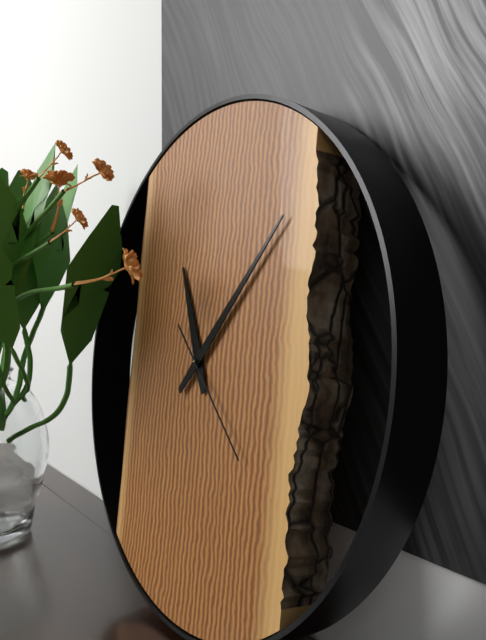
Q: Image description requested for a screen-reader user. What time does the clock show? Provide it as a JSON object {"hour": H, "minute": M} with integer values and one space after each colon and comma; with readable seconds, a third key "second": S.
{"hour": 11, "minute": 7, "second": 22}
